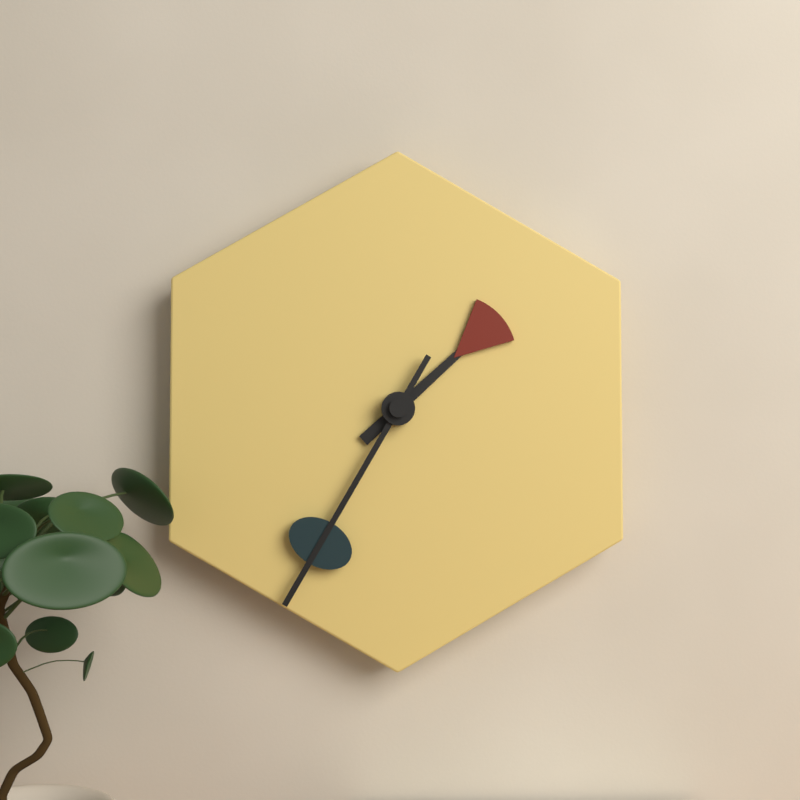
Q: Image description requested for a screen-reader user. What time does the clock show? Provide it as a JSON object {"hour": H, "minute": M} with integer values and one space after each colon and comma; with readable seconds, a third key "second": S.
{"hour": 1, "minute": 35}
